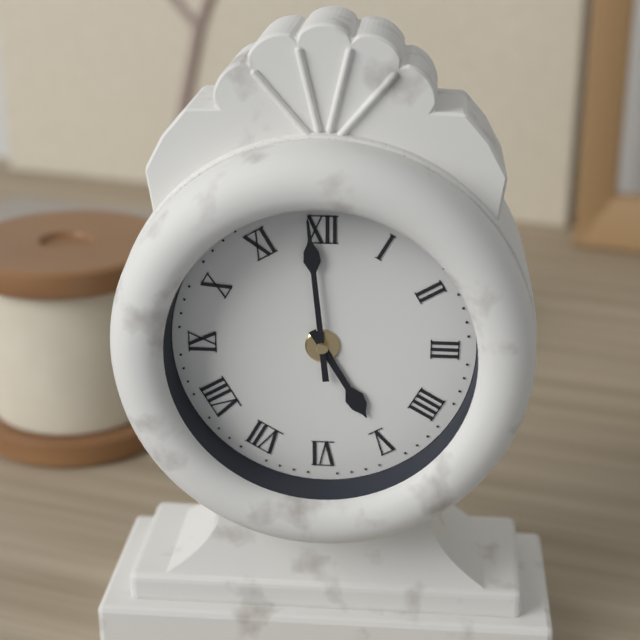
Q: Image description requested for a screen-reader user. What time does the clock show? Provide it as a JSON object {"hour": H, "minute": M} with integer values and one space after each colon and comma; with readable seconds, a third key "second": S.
{"hour": 4, "minute": 59}
